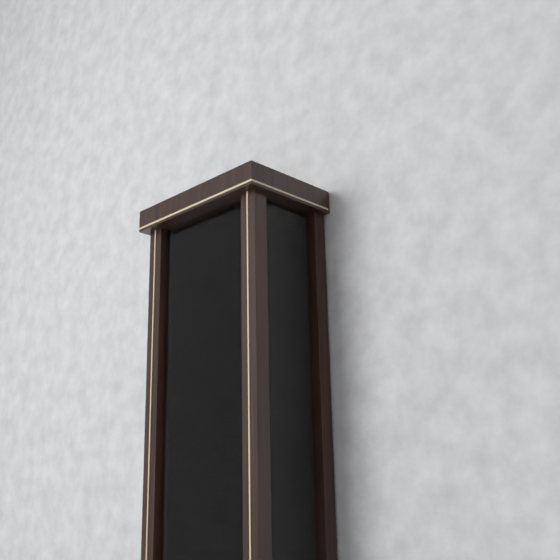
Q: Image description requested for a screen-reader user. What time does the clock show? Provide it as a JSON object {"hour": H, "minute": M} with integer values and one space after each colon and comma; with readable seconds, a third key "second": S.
{"hour": 5, "minute": 9}
